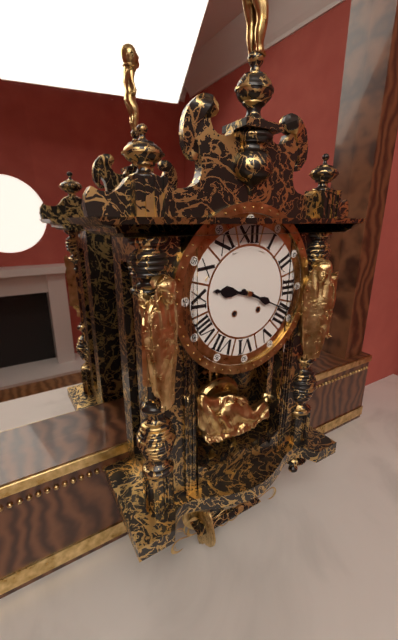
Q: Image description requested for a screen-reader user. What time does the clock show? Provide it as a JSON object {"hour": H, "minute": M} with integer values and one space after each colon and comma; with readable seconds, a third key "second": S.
{"hour": 9, "minute": 19}
